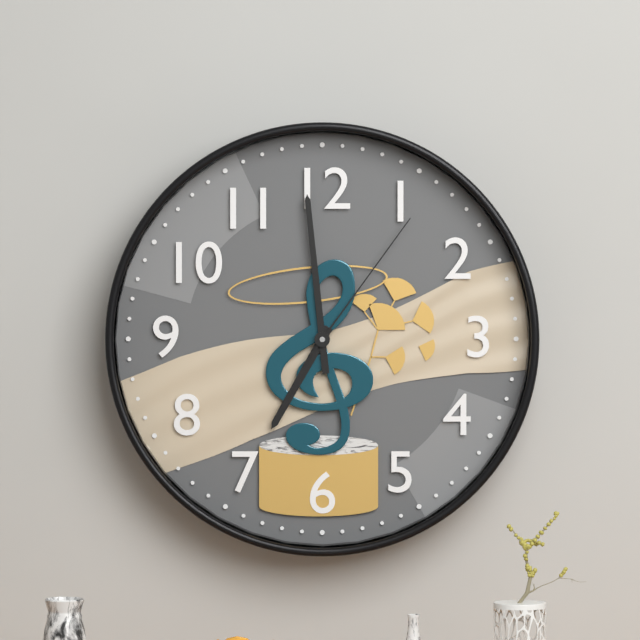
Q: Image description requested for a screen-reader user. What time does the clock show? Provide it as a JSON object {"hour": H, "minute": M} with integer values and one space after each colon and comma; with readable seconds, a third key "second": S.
{"hour": 6, "minute": 59, "second": 6}
